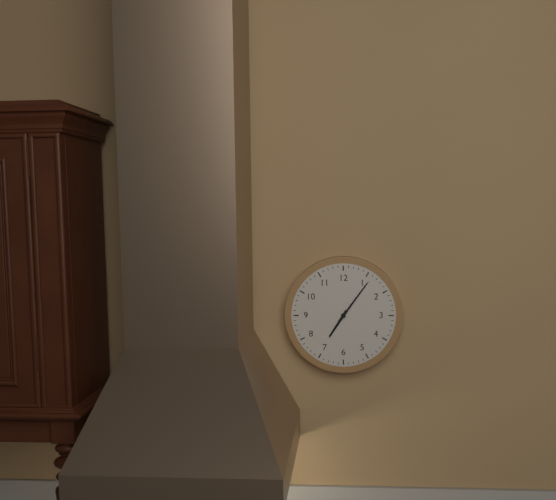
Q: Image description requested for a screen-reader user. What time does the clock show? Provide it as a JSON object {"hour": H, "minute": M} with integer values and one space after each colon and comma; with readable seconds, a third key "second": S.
{"hour": 7, "minute": 6}
